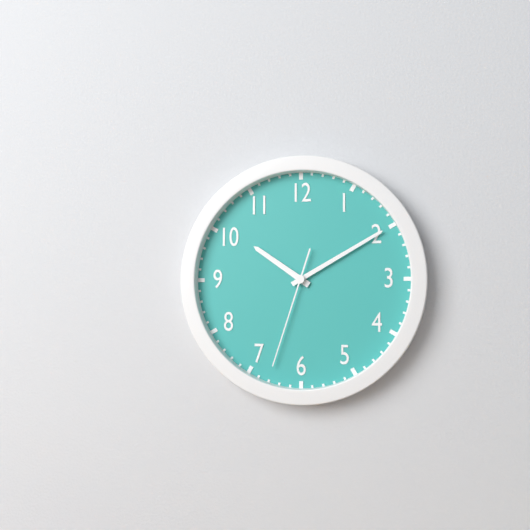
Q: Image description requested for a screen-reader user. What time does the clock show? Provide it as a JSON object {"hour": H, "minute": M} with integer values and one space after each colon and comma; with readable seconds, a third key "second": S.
{"hour": 10, "minute": 10, "second": 33}
